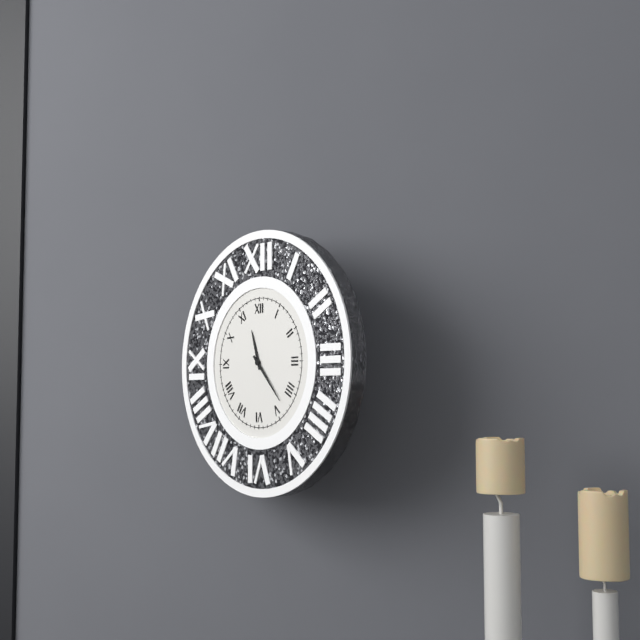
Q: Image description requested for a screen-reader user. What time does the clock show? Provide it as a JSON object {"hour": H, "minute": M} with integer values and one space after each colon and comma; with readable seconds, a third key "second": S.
{"hour": 11, "minute": 23}
